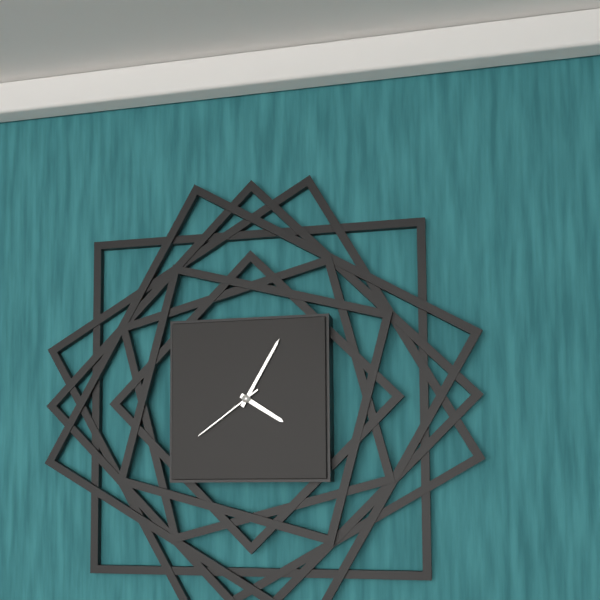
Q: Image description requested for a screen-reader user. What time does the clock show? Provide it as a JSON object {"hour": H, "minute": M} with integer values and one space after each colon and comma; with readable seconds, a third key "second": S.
{"hour": 4, "minute": 5, "second": 39}
